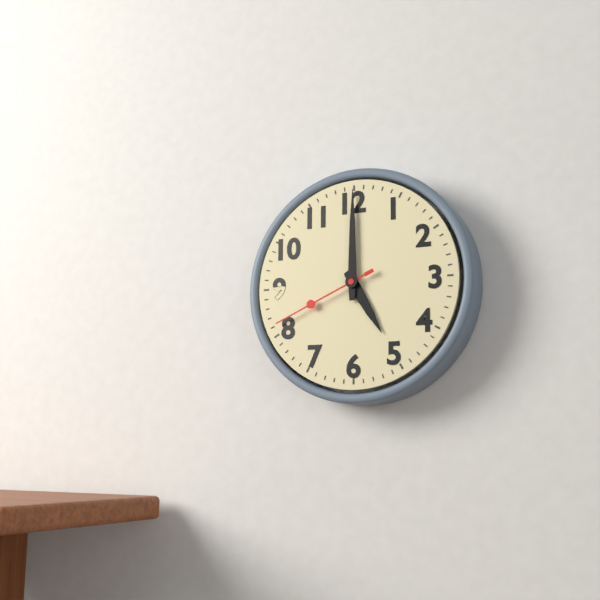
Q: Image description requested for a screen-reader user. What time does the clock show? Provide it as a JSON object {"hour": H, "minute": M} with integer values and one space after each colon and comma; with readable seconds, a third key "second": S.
{"hour": 5, "minute": 0, "second": 41}
